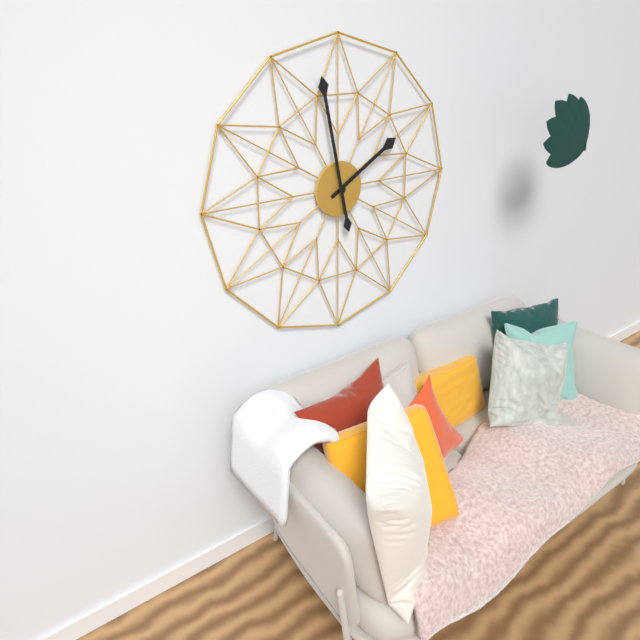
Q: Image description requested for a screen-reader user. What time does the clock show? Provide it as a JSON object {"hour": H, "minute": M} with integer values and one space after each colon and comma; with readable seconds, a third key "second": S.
{"hour": 1, "minute": 58}
